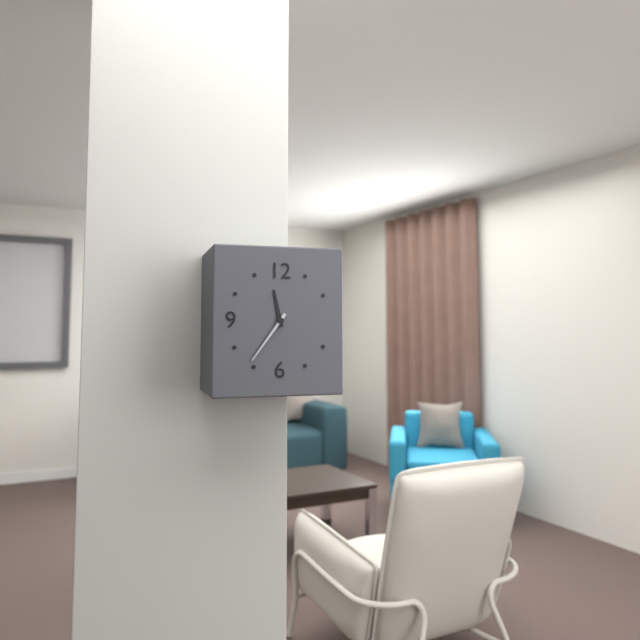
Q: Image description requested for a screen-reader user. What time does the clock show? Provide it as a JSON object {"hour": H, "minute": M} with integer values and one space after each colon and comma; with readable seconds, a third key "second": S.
{"hour": 11, "minute": 36}
